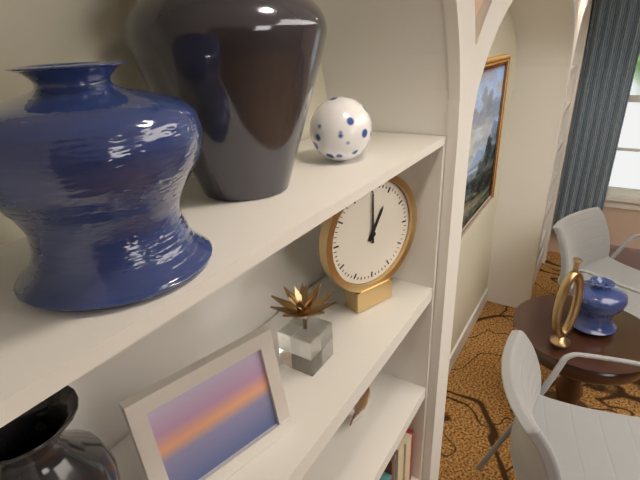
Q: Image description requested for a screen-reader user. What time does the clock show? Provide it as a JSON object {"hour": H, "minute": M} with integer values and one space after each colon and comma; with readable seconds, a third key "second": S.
{"hour": 1, "minute": 0}
